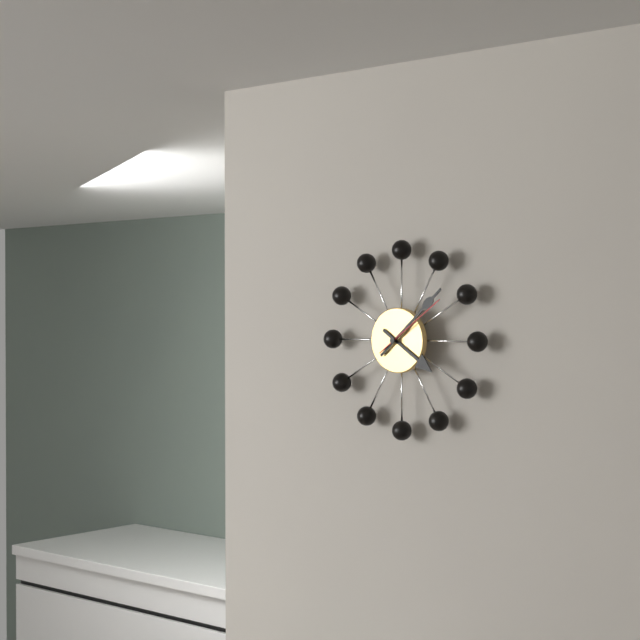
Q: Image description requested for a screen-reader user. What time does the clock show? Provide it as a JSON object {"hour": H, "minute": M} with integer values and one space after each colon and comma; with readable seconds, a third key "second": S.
{"hour": 4, "minute": 8, "second": 9}
